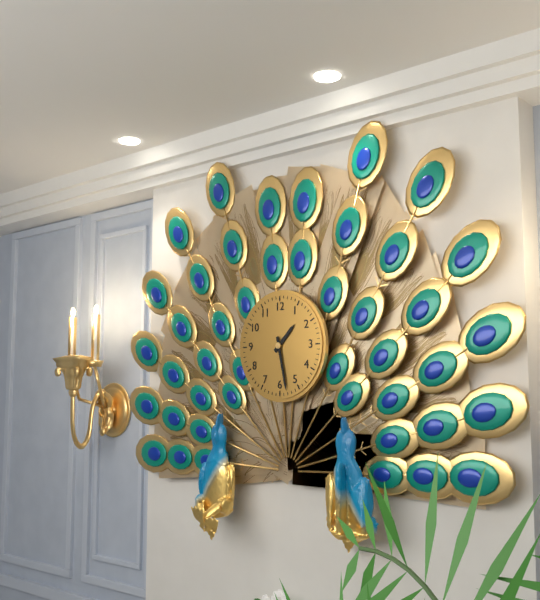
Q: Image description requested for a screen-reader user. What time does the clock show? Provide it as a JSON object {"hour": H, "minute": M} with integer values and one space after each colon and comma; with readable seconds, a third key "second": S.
{"hour": 1, "minute": 28}
